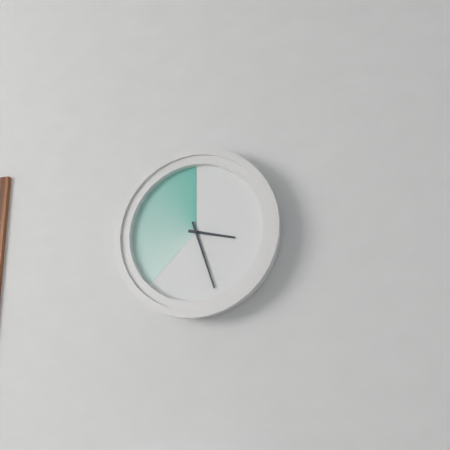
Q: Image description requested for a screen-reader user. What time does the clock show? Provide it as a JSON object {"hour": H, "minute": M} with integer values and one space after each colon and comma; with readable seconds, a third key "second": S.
{"hour": 3, "minute": 27}
